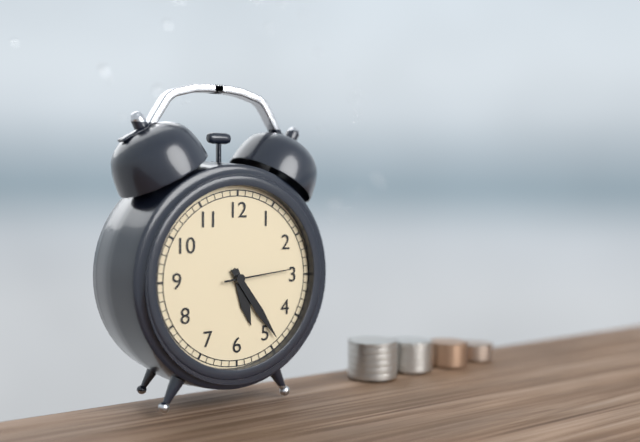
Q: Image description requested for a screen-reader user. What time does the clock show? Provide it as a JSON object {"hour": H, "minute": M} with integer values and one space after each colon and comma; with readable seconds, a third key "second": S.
{"hour": 5, "minute": 24, "second": 14}
